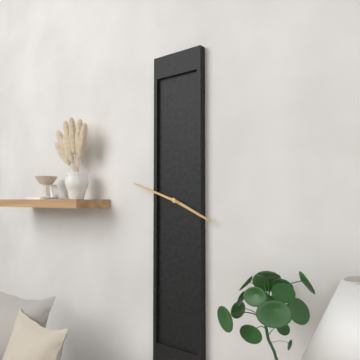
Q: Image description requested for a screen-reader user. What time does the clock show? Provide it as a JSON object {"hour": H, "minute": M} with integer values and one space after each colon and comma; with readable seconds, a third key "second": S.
{"hour": 3, "minute": 48}
